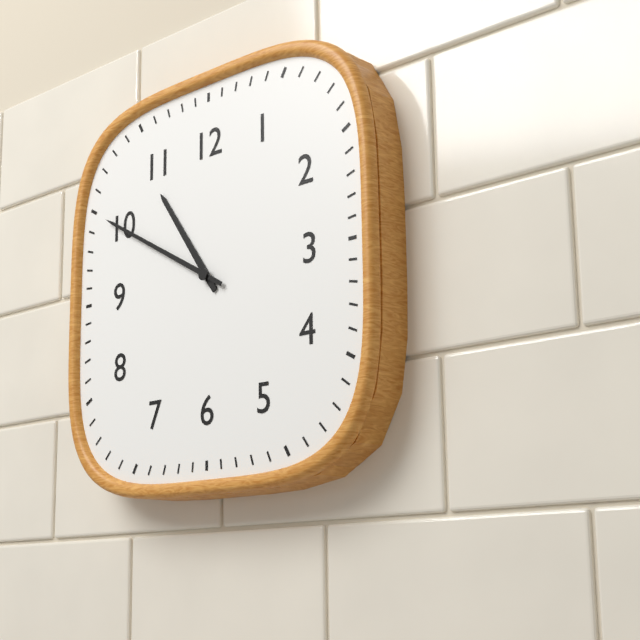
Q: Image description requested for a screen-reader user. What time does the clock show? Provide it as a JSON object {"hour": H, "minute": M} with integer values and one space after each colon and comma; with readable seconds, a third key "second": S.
{"hour": 10, "minute": 50}
